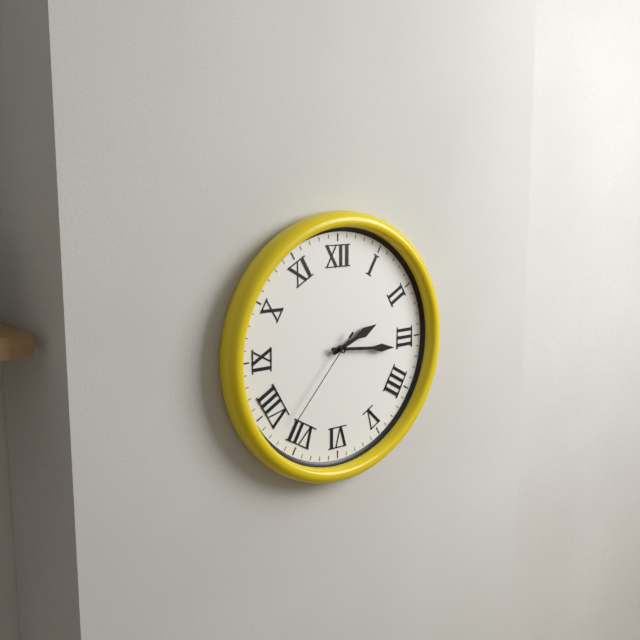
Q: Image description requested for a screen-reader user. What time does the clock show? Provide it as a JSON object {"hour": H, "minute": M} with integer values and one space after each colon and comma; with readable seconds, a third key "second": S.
{"hour": 2, "minute": 16, "second": 37}
